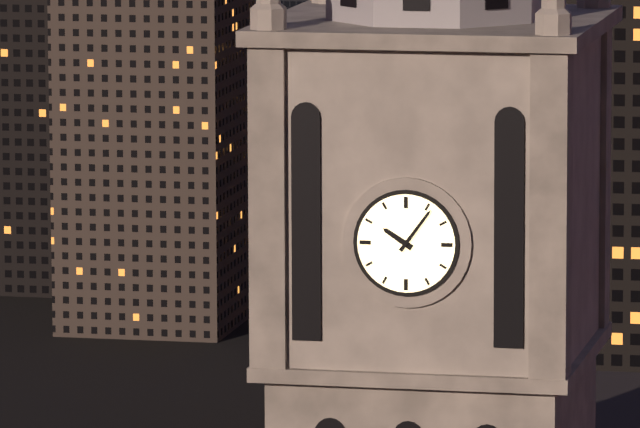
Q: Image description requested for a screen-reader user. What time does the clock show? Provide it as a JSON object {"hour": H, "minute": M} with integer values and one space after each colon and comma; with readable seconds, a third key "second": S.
{"hour": 10, "minute": 6}
